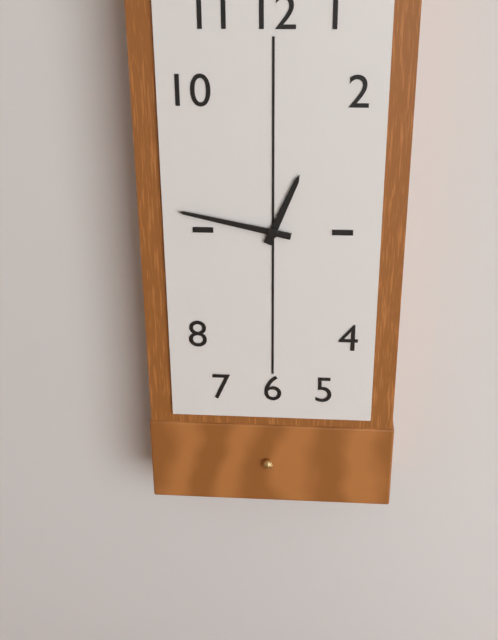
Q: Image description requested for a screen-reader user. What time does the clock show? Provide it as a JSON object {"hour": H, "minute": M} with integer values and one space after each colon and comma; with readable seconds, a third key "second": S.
{"hour": 12, "minute": 47}
